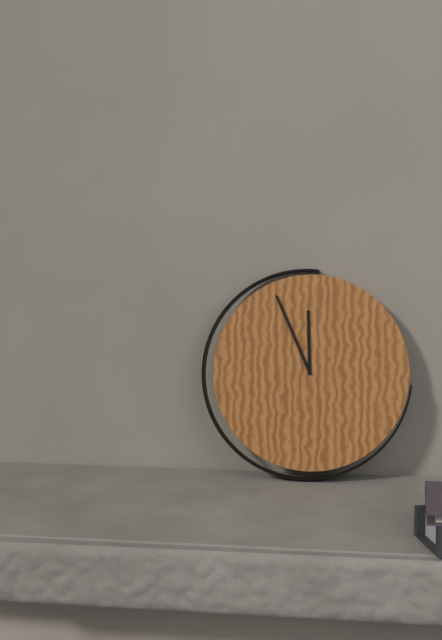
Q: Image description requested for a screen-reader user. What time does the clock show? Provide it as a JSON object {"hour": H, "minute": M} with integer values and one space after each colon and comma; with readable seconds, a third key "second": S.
{"hour": 11, "minute": 56}
